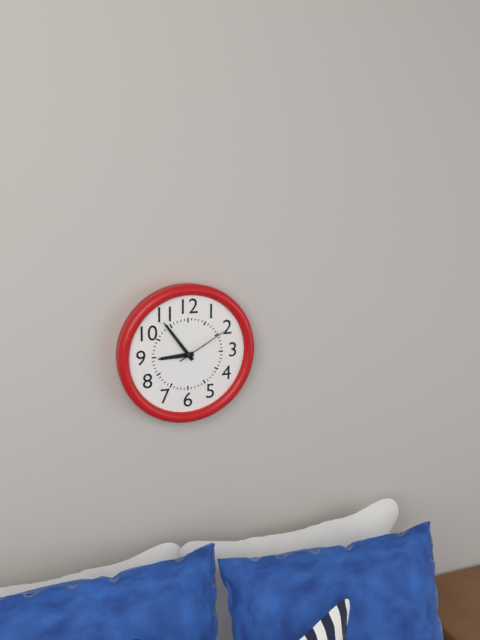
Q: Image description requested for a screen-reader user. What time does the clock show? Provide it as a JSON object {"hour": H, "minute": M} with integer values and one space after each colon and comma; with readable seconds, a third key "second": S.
{"hour": 8, "minute": 54, "second": 10}
